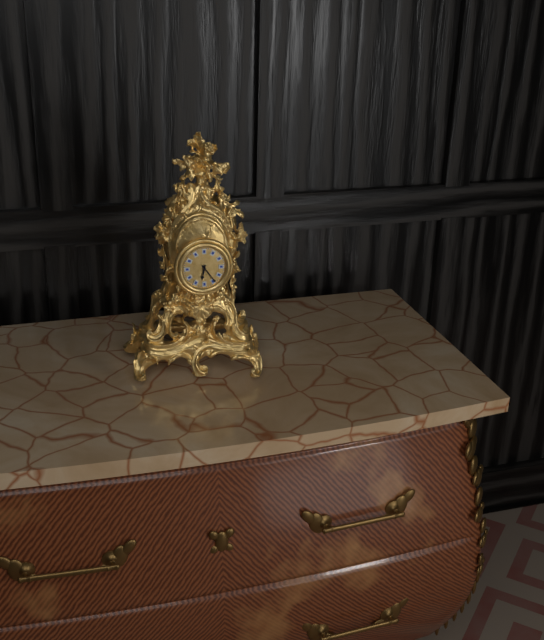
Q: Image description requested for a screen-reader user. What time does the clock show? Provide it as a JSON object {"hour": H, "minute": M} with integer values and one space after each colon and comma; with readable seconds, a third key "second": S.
{"hour": 6, "minute": 24}
